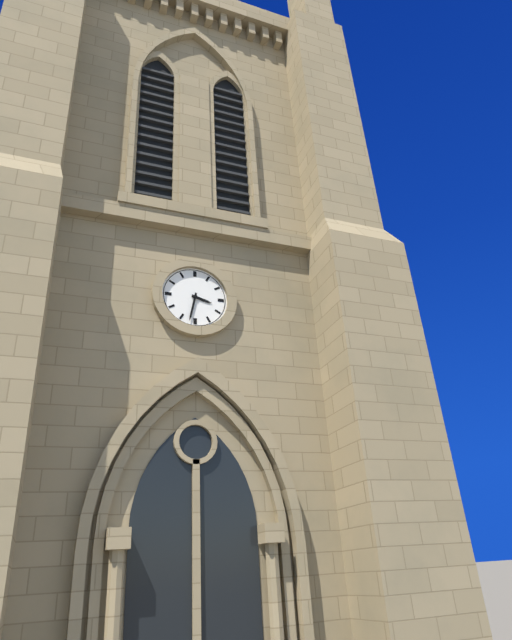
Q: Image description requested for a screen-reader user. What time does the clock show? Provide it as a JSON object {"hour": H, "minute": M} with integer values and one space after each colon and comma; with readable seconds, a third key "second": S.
{"hour": 3, "minute": 32}
